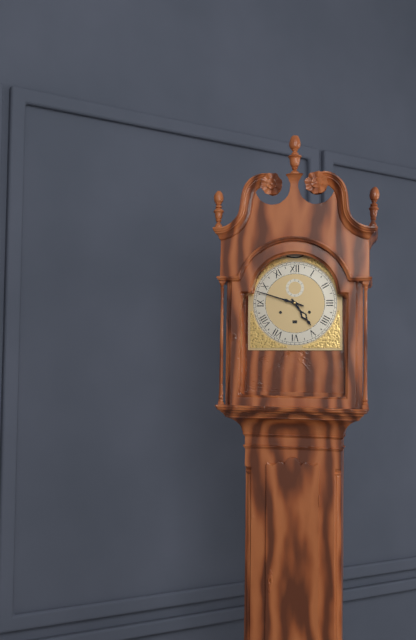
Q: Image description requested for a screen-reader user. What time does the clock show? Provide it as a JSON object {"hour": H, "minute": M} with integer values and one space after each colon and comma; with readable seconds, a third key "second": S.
{"hour": 4, "minute": 48}
